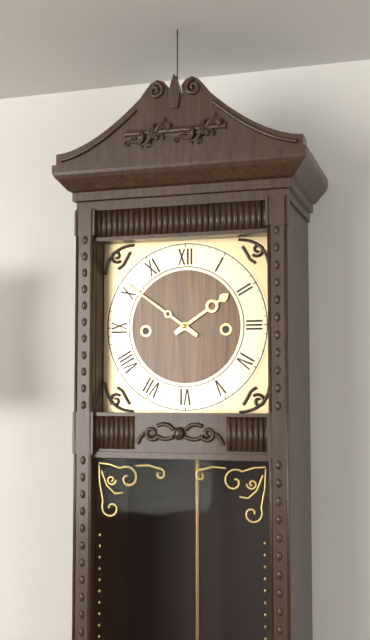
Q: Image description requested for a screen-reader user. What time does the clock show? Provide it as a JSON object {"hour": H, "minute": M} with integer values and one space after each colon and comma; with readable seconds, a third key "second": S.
{"hour": 1, "minute": 51}
